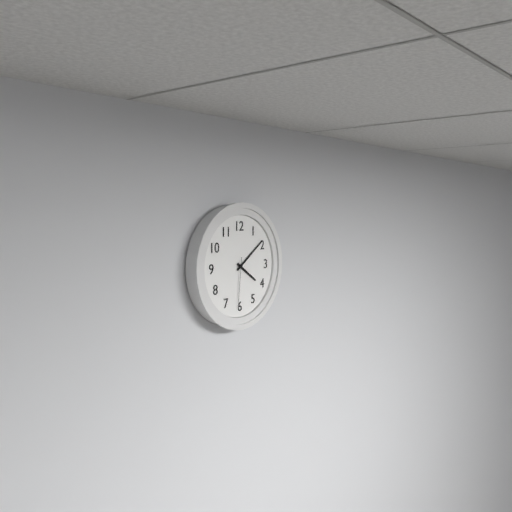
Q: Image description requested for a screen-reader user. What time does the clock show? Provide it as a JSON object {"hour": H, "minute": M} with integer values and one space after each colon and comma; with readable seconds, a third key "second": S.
{"hour": 4, "minute": 9, "second": 31}
